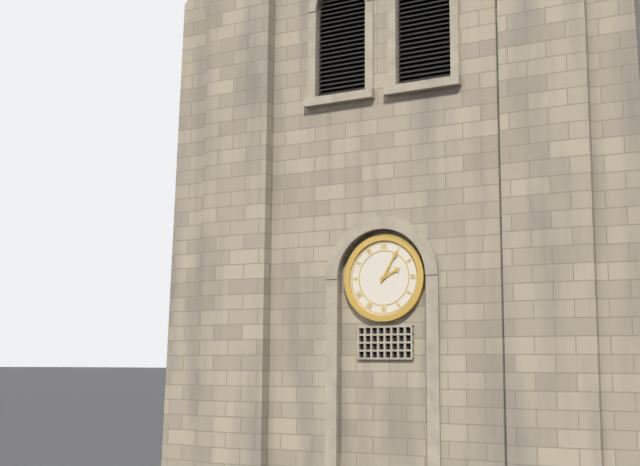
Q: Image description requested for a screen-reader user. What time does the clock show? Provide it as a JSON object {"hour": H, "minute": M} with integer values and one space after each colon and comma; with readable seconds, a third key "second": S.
{"hour": 2, "minute": 5}
